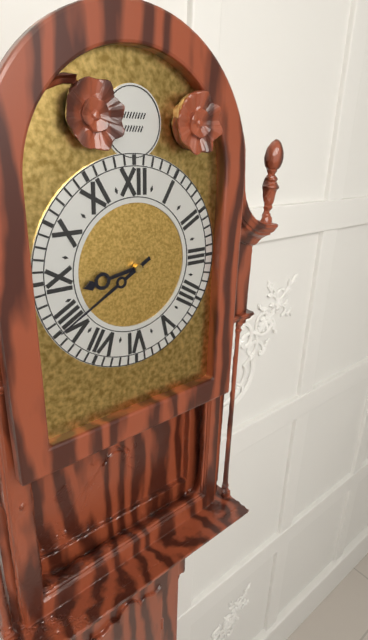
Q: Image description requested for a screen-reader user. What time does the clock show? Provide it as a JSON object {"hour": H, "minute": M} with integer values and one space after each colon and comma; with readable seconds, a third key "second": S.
{"hour": 8, "minute": 40}
